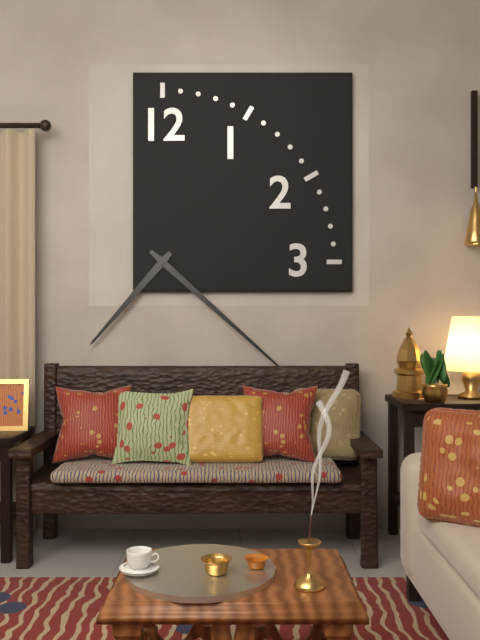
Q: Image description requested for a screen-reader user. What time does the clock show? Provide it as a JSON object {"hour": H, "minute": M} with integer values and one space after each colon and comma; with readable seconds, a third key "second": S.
{"hour": 7, "minute": 22}
